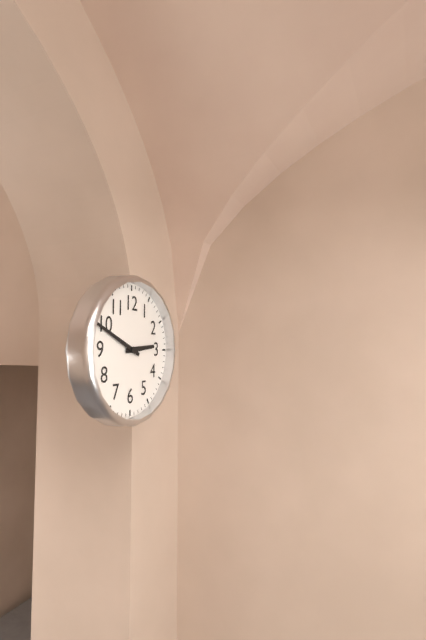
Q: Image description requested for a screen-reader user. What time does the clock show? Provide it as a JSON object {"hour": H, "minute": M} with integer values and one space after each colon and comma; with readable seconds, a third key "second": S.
{"hour": 2, "minute": 49}
